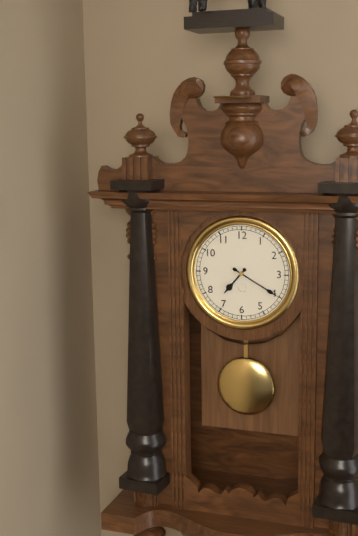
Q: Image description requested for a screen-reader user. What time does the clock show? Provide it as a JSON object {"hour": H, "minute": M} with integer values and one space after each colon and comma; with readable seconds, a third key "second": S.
{"hour": 7, "minute": 20}
